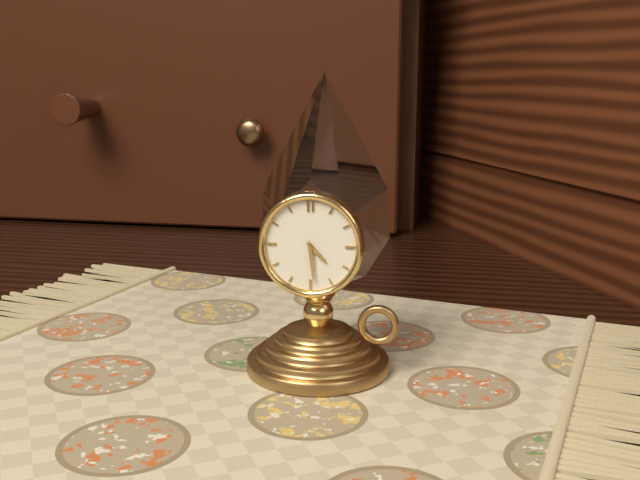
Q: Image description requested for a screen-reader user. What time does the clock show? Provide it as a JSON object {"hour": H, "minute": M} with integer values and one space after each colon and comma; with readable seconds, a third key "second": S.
{"hour": 4, "minute": 29}
